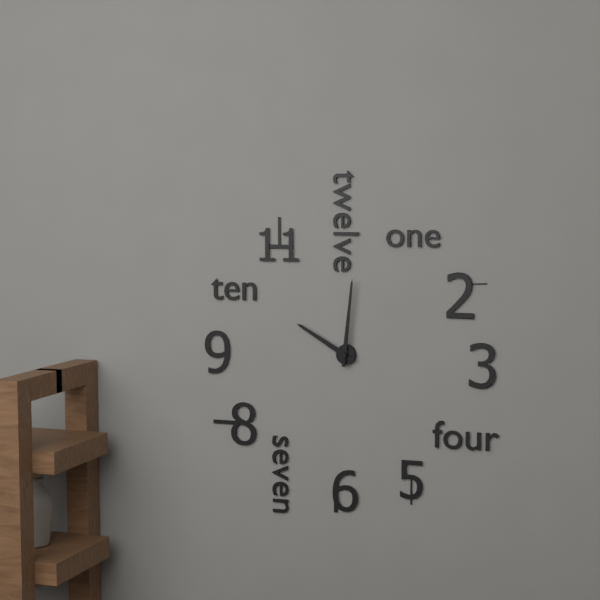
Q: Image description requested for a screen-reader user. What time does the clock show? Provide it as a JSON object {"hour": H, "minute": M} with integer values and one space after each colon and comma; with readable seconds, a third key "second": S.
{"hour": 10, "minute": 1}
